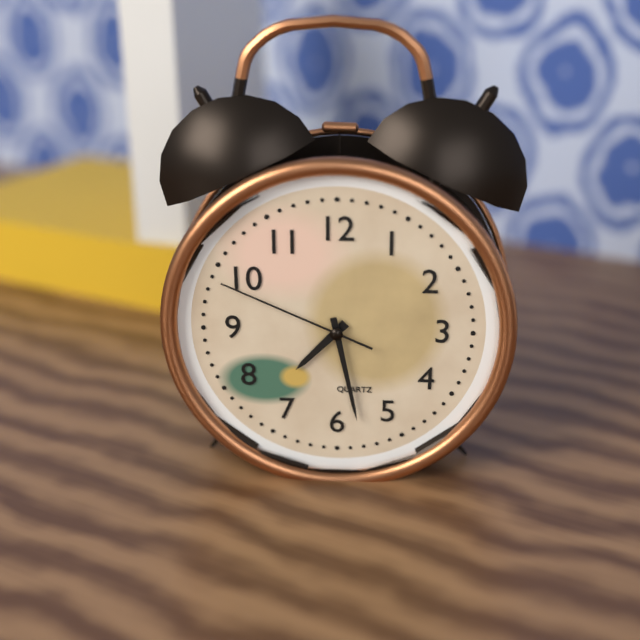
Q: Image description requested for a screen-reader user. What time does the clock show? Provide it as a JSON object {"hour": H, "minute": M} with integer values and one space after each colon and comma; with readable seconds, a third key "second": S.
{"hour": 7, "minute": 28, "second": 49}
